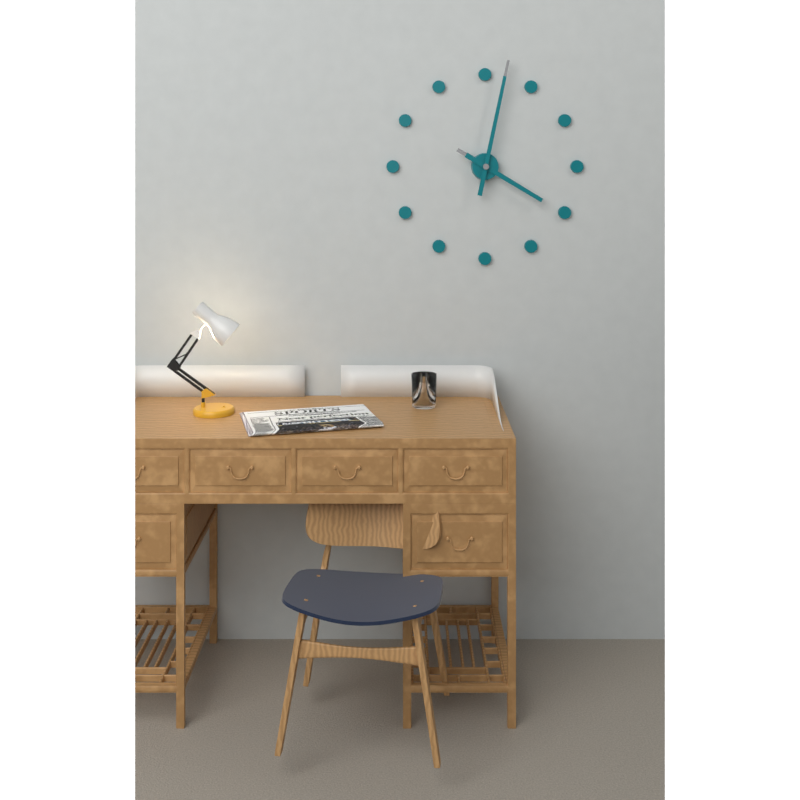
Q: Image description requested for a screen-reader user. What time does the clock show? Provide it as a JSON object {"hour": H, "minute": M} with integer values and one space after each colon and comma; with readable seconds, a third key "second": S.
{"hour": 4, "minute": 2}
